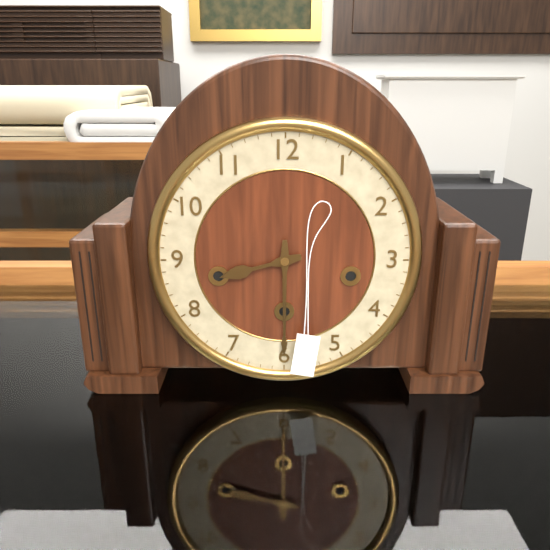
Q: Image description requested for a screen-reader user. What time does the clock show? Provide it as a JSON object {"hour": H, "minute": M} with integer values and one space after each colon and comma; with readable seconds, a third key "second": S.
{"hour": 8, "minute": 30}
